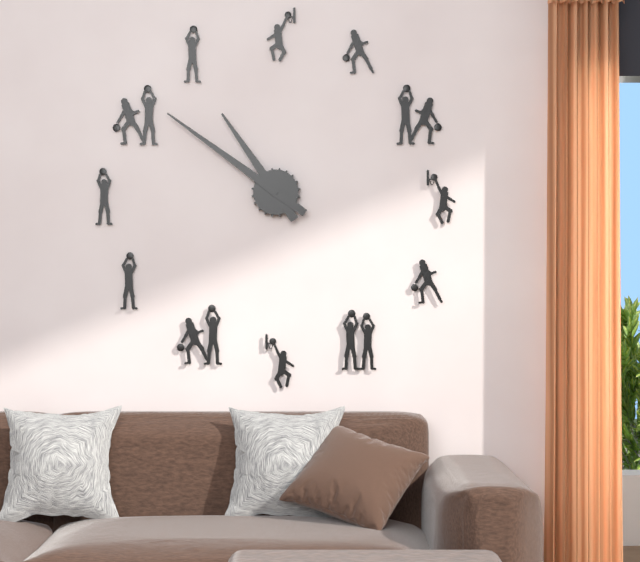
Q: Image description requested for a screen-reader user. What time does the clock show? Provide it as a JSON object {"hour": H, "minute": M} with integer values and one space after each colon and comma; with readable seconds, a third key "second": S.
{"hour": 10, "minute": 51}
